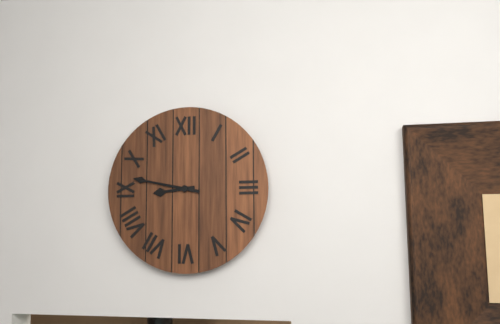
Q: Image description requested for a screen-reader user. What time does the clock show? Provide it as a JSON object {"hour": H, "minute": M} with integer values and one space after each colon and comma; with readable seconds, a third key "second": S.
{"hour": 8, "minute": 47}
